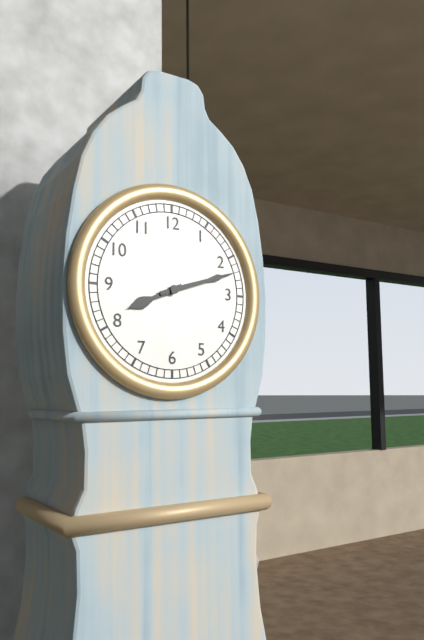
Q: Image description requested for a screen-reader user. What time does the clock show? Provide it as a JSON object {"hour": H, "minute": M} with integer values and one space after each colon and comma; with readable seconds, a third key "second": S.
{"hour": 8, "minute": 12}
